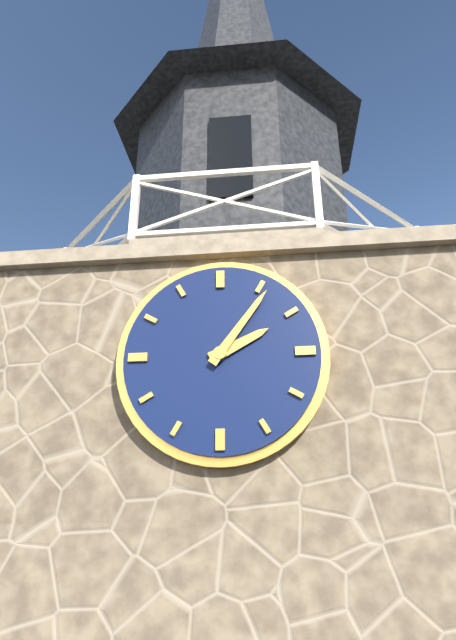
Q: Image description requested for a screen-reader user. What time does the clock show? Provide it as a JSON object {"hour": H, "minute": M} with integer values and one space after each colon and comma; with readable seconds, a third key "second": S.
{"hour": 2, "minute": 6}
